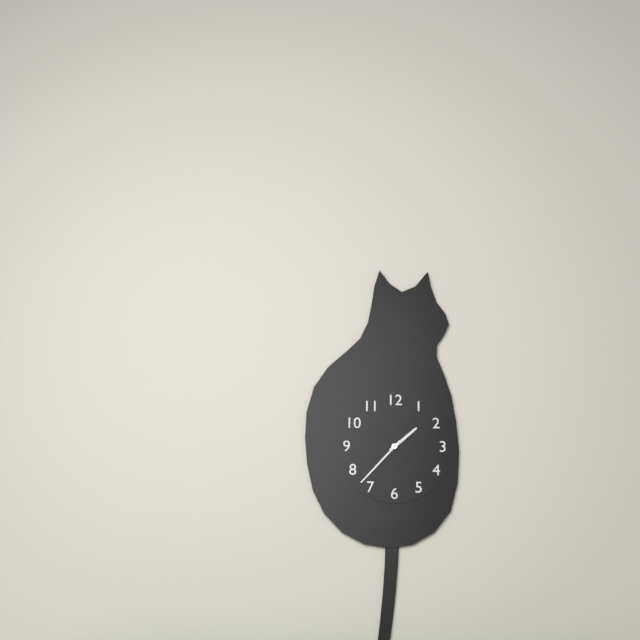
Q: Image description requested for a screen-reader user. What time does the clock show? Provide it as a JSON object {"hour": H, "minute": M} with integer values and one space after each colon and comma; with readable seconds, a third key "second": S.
{"hour": 1, "minute": 37}
